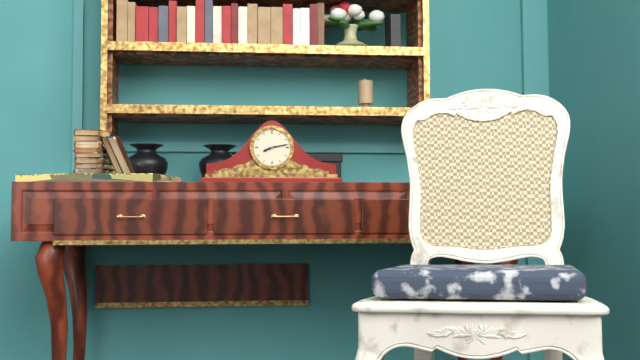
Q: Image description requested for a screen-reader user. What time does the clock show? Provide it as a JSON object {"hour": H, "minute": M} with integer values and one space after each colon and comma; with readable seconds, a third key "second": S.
{"hour": 8, "minute": 13}
